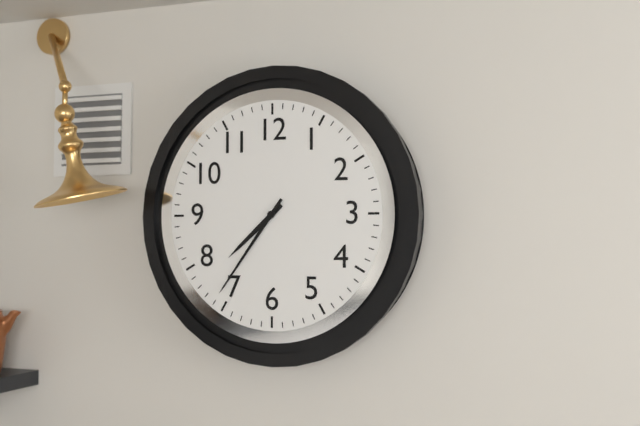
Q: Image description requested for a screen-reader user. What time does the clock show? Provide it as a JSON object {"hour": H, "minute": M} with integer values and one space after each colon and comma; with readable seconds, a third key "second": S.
{"hour": 7, "minute": 36}
